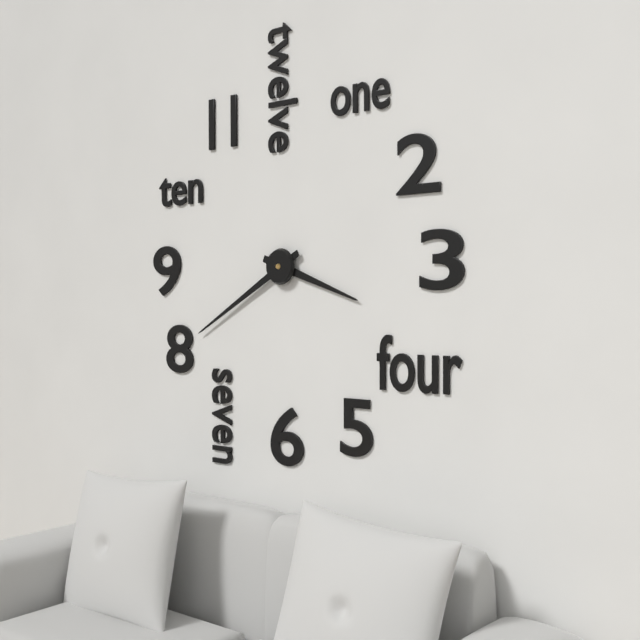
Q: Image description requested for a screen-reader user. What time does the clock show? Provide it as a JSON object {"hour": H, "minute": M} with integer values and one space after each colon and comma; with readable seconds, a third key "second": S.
{"hour": 3, "minute": 40}
